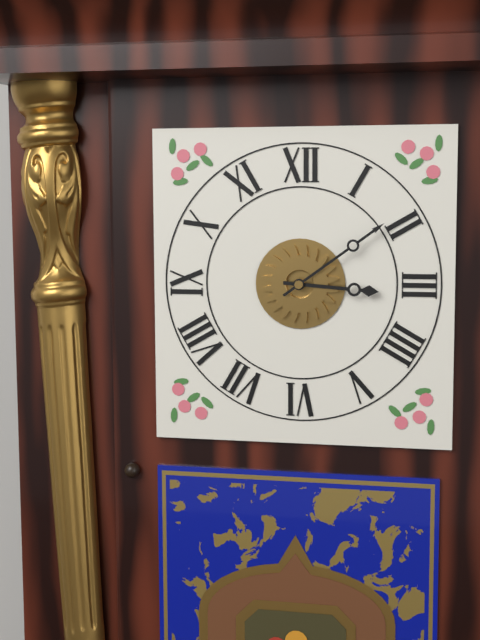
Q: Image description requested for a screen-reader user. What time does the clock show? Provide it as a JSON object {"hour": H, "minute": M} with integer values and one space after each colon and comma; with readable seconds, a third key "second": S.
{"hour": 3, "minute": 9}
